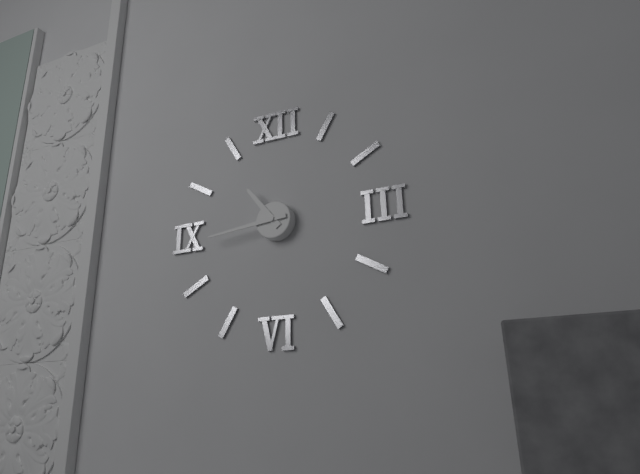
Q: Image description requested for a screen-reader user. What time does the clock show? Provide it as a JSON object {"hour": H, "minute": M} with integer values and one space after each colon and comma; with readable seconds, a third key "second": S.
{"hour": 10, "minute": 44}
